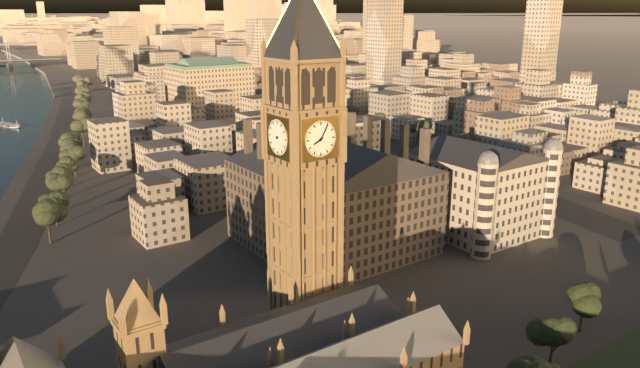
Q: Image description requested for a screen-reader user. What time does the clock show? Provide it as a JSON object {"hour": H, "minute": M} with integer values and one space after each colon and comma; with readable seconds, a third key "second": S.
{"hour": 8, "minute": 5}
